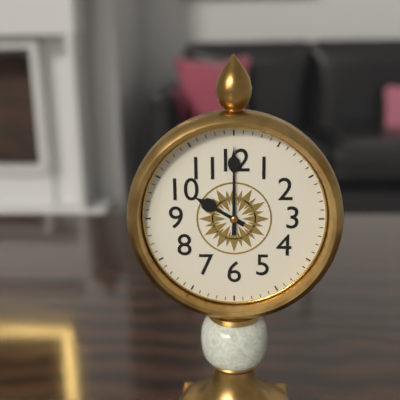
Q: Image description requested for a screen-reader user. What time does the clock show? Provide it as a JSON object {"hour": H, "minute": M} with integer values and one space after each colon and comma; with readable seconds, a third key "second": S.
{"hour": 10, "minute": 0}
